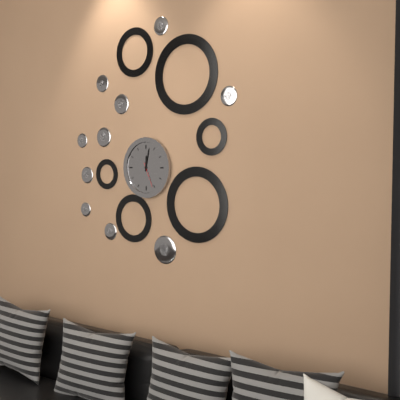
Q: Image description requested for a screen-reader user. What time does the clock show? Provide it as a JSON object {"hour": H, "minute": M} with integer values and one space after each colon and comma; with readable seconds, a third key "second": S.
{"hour": 12, "minute": 2}
